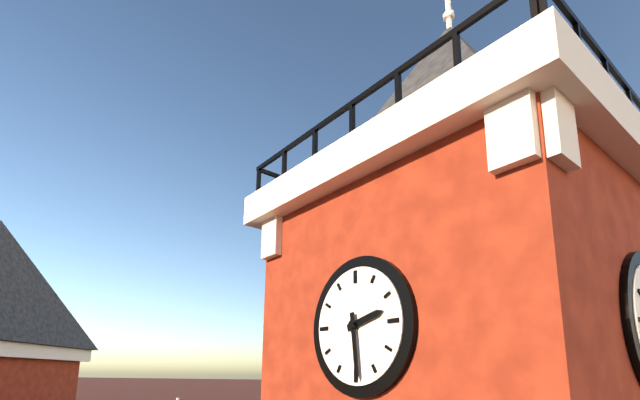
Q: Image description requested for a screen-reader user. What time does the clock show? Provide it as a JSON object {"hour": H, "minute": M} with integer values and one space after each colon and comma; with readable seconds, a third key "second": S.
{"hour": 2, "minute": 29}
